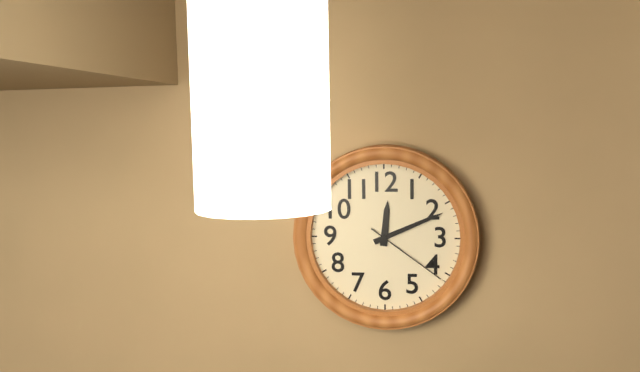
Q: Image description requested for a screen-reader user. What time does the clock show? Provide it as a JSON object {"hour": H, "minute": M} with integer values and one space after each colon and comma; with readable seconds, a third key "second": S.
{"hour": 12, "minute": 11, "second": 21}
